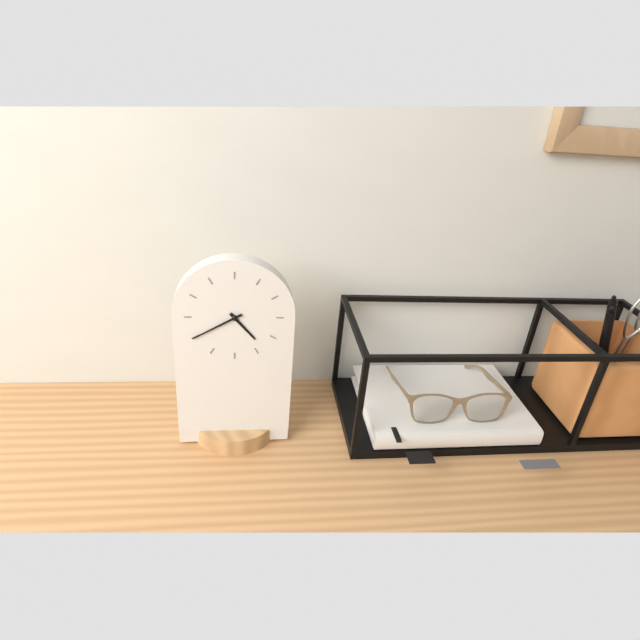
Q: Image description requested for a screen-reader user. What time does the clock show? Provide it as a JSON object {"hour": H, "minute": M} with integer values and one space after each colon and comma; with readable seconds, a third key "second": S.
{"hour": 4, "minute": 40}
